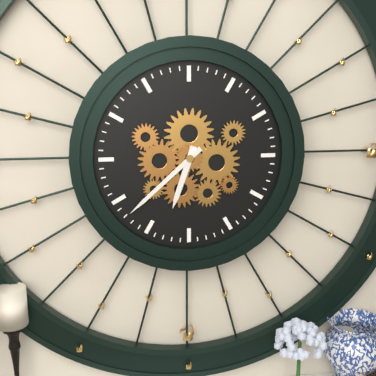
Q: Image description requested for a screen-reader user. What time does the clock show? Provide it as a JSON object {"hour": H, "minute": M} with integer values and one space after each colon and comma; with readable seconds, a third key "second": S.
{"hour": 6, "minute": 38}
